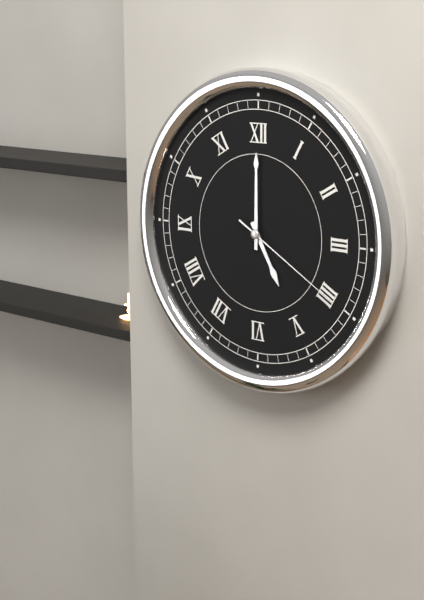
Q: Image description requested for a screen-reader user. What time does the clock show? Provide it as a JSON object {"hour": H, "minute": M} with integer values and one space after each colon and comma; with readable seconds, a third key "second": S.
{"hour": 5, "minute": 0, "second": 20}
